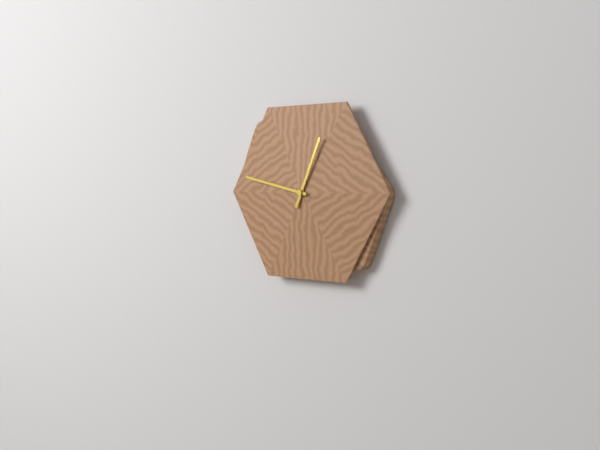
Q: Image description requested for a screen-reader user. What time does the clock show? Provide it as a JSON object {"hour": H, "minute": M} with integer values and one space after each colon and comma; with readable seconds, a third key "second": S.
{"hour": 12, "minute": 47}
